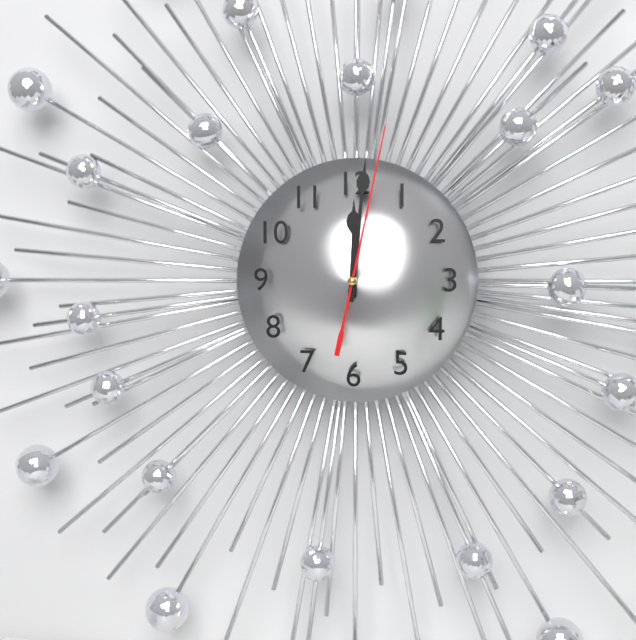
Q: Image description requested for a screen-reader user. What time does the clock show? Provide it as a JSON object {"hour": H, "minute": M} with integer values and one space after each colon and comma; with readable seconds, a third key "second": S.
{"hour": 12, "minute": 1, "second": 2}
